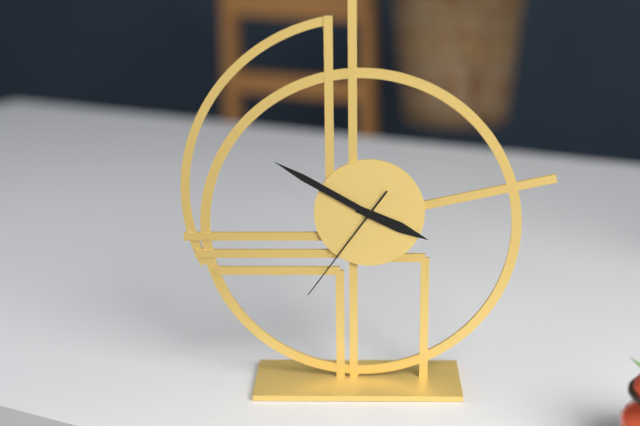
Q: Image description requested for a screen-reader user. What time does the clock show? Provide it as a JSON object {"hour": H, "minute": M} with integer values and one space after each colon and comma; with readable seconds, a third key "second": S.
{"hour": 3, "minute": 50, "second": 36}
